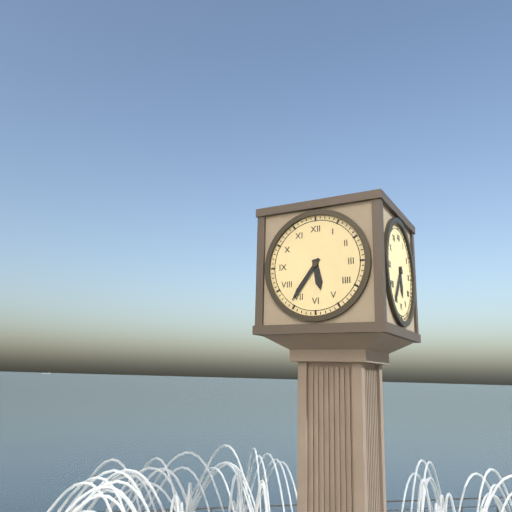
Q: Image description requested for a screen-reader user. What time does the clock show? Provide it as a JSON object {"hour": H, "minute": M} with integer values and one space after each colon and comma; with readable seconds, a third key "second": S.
{"hour": 5, "minute": 36}
